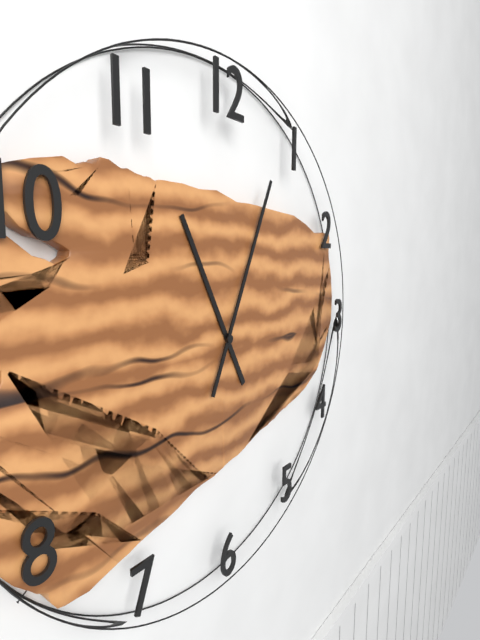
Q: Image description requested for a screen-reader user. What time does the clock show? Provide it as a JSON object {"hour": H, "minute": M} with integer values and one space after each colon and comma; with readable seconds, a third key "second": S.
{"hour": 11, "minute": 4}
